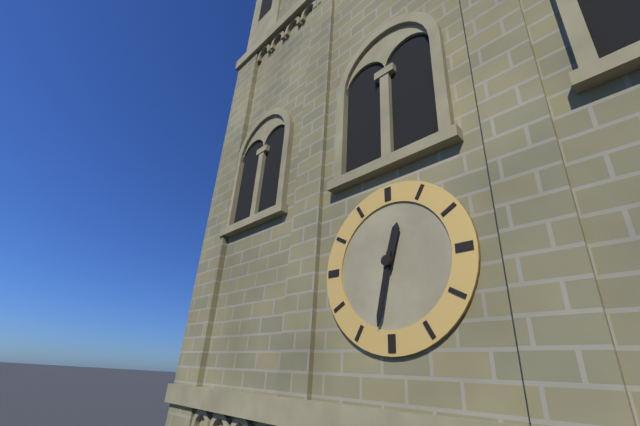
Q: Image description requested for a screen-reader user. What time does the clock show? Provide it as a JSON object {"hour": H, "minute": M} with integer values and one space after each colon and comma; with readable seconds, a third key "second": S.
{"hour": 12, "minute": 32}
